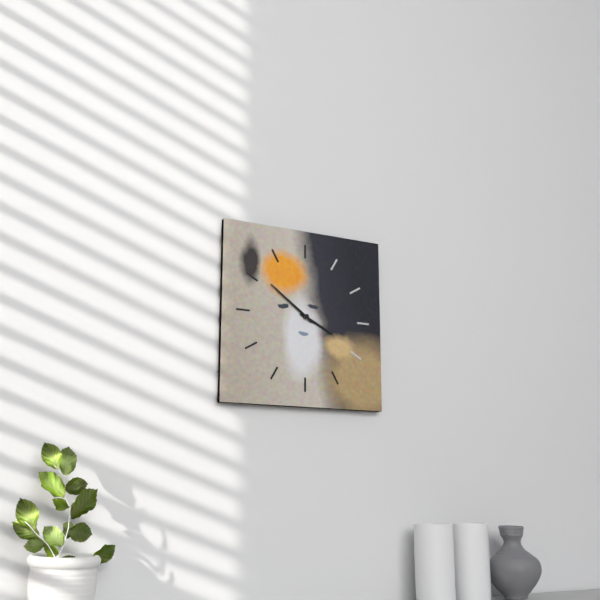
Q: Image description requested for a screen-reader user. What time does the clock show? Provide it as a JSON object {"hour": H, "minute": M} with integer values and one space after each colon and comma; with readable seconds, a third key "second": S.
{"hour": 3, "minute": 51}
